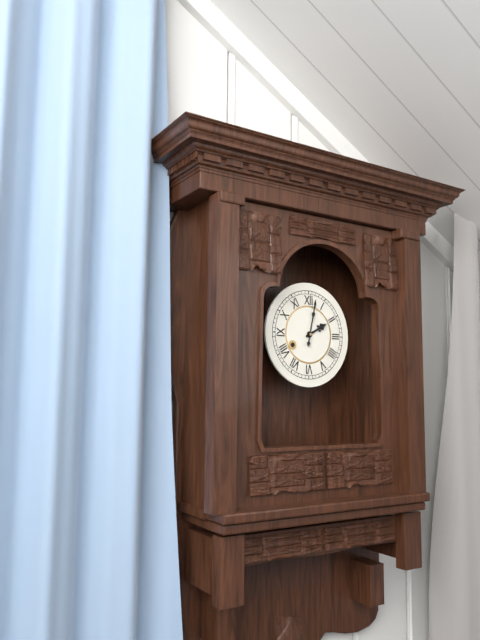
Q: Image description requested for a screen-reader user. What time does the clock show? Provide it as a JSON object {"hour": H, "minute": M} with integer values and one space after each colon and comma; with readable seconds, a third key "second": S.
{"hour": 2, "minute": 2}
